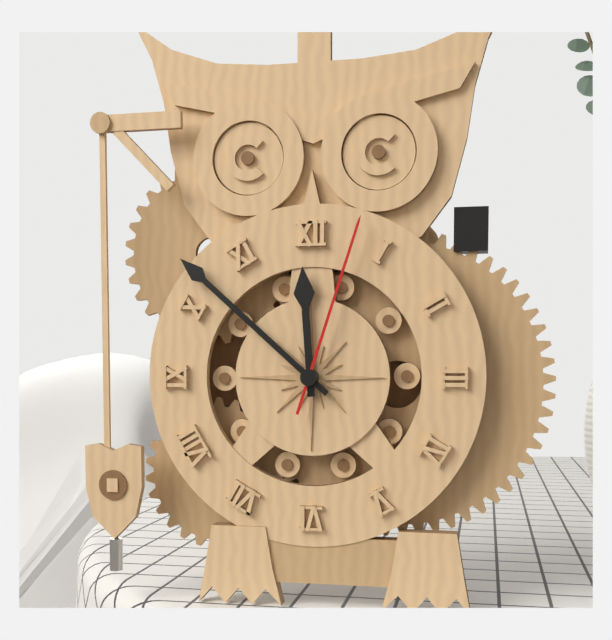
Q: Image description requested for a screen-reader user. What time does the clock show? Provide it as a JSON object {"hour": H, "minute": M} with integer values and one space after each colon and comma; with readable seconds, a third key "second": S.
{"hour": 11, "minute": 52, "second": 3}
